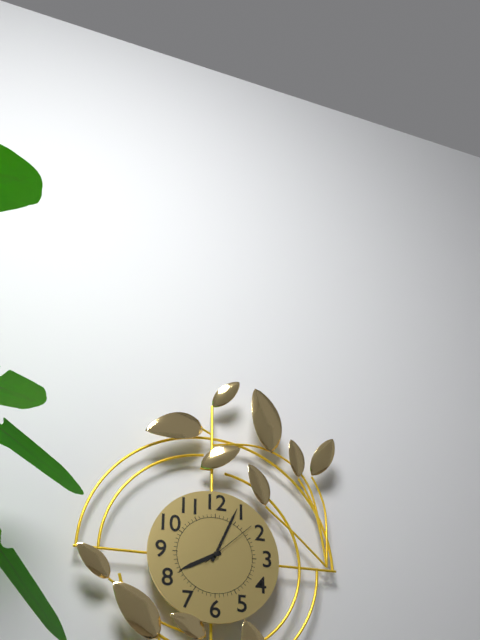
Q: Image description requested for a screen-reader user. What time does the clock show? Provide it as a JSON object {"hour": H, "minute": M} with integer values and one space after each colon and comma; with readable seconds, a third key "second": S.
{"hour": 8, "minute": 4, "second": 8}
